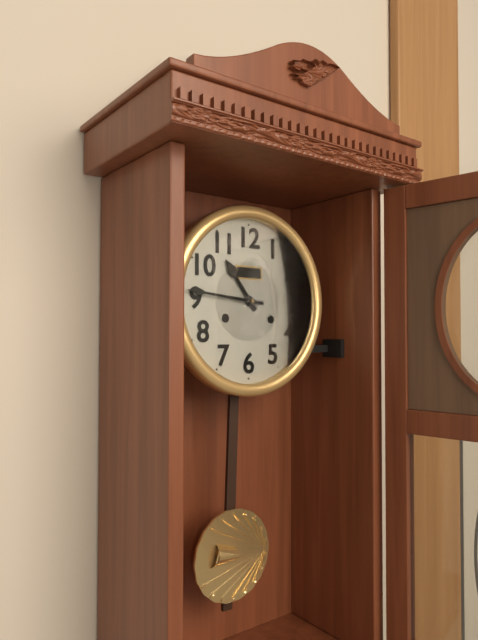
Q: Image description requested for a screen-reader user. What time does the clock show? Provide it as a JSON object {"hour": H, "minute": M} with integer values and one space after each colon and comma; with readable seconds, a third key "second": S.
{"hour": 10, "minute": 46}
